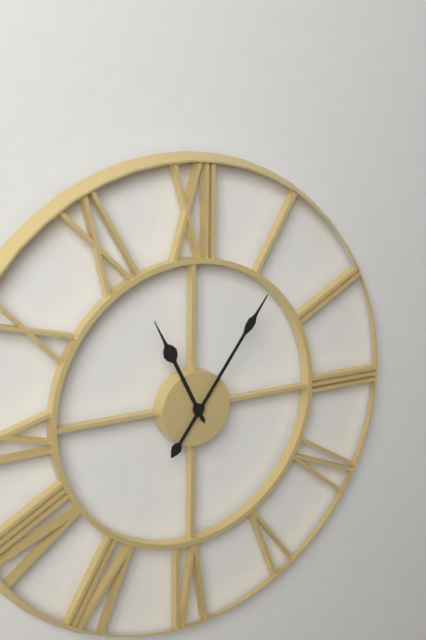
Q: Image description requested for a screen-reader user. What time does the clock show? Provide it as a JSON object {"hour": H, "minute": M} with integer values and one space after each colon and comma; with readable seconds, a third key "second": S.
{"hour": 11, "minute": 6}
